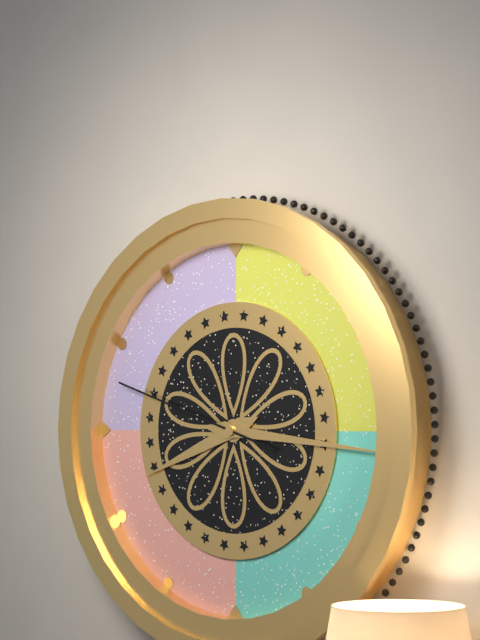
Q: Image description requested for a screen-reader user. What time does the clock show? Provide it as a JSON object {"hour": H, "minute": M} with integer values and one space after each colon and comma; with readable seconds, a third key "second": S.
{"hour": 8, "minute": 16, "second": 48}
